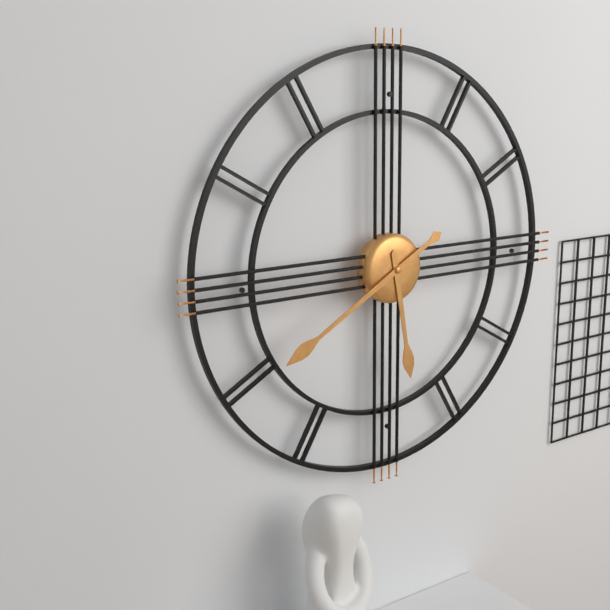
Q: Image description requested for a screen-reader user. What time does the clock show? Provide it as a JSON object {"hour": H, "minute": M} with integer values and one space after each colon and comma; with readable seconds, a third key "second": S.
{"hour": 5, "minute": 40}
